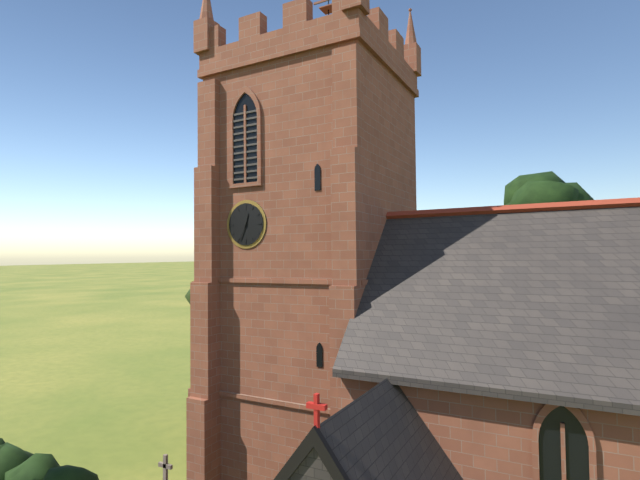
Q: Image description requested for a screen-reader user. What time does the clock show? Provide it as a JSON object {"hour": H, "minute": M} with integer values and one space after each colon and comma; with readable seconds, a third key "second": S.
{"hour": 12, "minute": 34}
